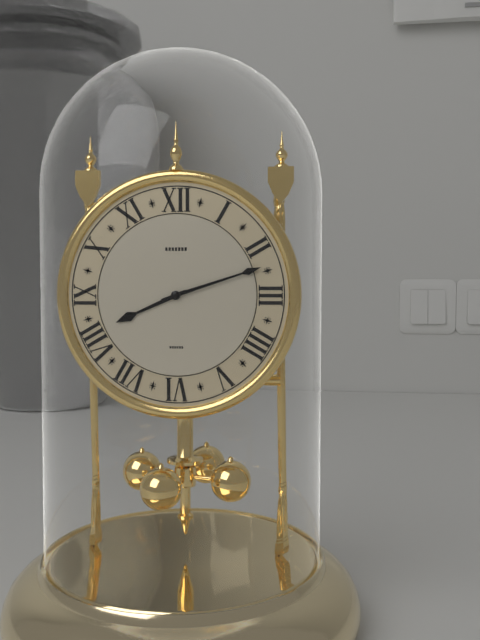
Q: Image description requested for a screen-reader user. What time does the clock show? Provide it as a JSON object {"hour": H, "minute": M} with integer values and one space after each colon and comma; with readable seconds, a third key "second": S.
{"hour": 8, "minute": 12}
